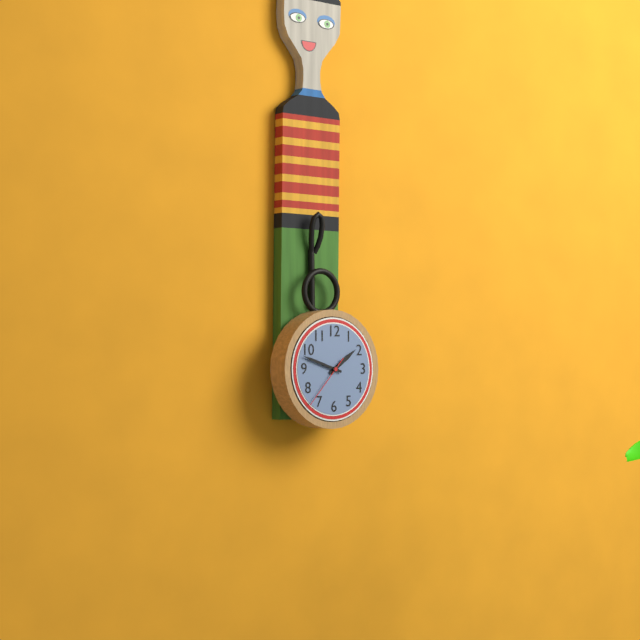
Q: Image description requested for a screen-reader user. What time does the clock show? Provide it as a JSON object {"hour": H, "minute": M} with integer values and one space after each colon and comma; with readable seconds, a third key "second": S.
{"hour": 1, "minute": 48, "second": 37}
